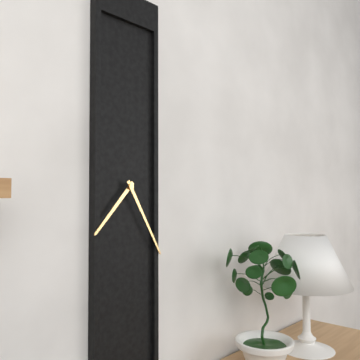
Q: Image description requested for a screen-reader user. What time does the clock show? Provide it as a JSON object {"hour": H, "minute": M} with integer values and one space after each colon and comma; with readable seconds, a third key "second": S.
{"hour": 7, "minute": 25}
